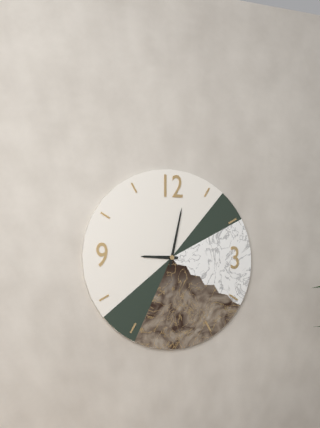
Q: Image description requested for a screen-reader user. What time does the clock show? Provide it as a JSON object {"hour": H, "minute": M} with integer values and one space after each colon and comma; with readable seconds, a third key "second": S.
{"hour": 9, "minute": 2}
